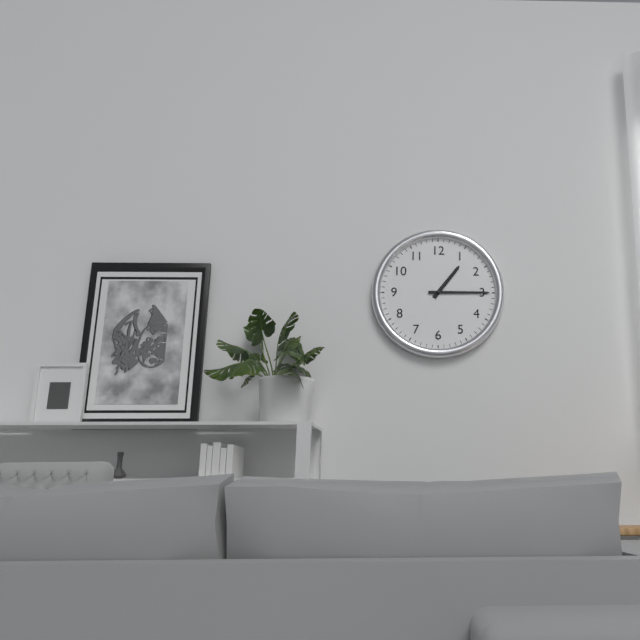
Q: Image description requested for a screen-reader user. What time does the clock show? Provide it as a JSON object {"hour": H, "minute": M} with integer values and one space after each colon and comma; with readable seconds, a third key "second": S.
{"hour": 1, "minute": 15}
